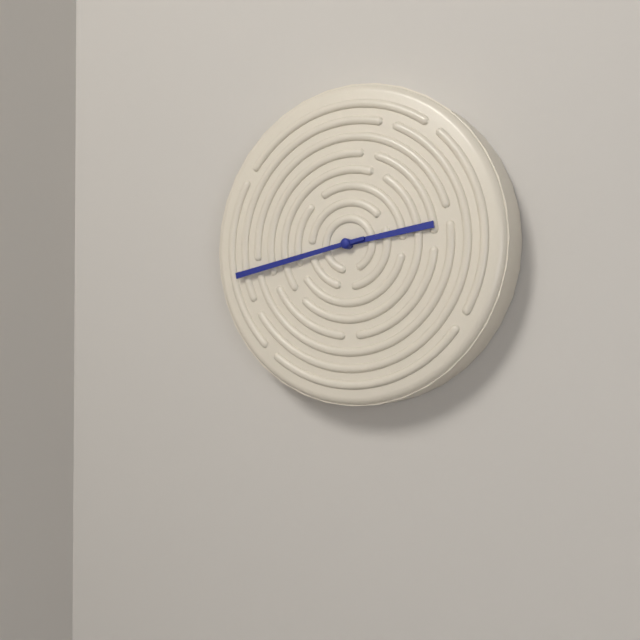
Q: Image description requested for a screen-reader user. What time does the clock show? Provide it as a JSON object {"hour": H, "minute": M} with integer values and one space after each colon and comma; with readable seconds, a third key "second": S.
{"hour": 2, "minute": 43}
